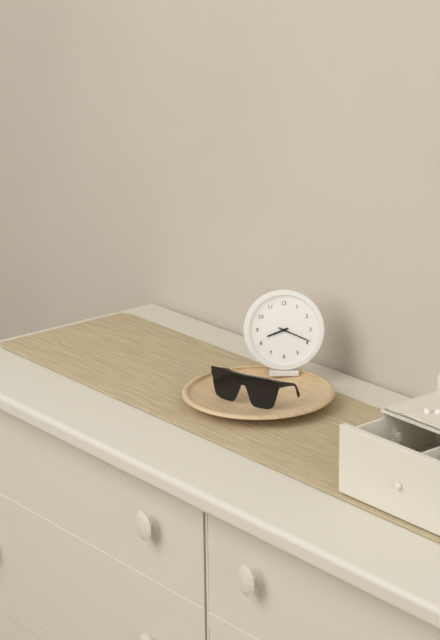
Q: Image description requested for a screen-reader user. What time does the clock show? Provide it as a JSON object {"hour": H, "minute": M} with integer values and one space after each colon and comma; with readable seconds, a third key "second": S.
{"hour": 8, "minute": 19}
